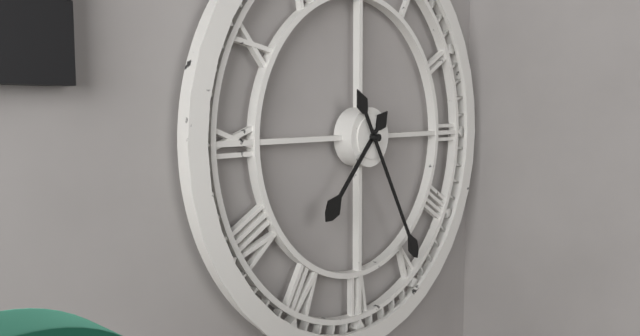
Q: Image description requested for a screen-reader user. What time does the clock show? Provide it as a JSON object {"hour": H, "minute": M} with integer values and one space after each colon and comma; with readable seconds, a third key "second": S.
{"hour": 7, "minute": 25}
